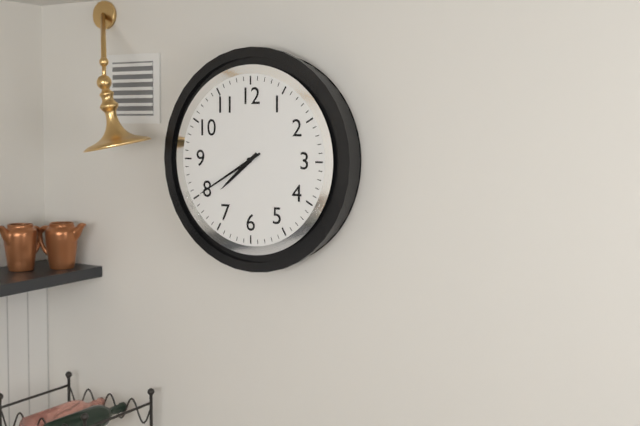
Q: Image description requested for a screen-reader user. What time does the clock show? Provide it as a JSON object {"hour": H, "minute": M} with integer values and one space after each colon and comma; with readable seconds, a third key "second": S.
{"hour": 7, "minute": 40}
